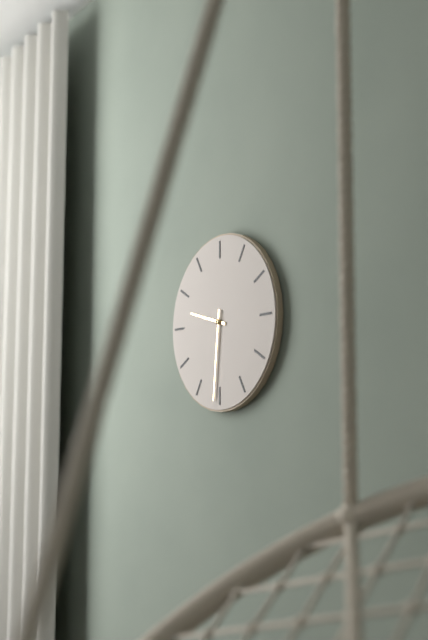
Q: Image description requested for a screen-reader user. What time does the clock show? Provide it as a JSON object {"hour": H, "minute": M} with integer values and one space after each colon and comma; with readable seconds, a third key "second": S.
{"hour": 9, "minute": 31}
